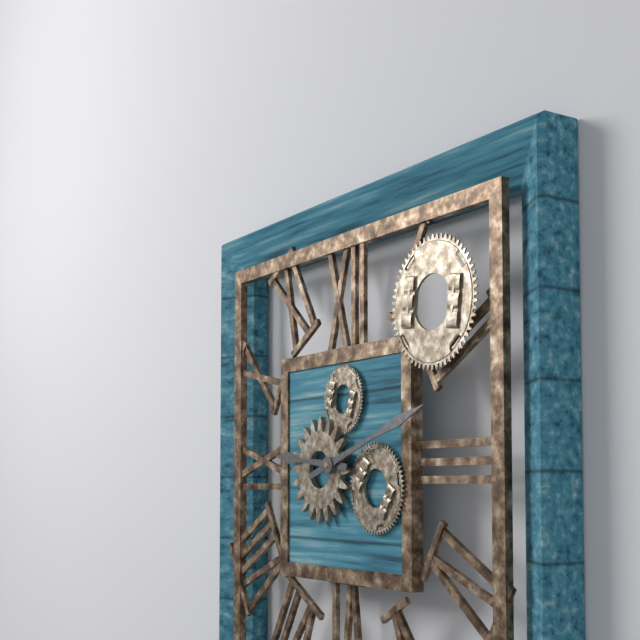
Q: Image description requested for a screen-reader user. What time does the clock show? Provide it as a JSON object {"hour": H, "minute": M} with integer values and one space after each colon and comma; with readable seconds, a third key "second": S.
{"hour": 9, "minute": 12}
